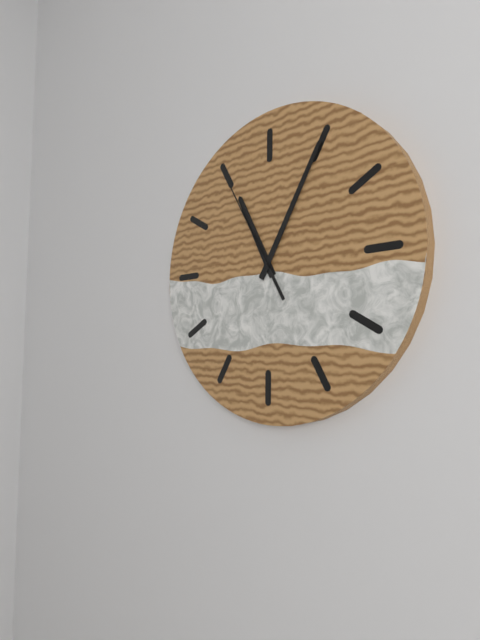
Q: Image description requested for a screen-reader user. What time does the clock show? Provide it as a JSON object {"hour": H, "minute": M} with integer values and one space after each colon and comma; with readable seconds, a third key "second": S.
{"hour": 11, "minute": 5, "second": 55}
